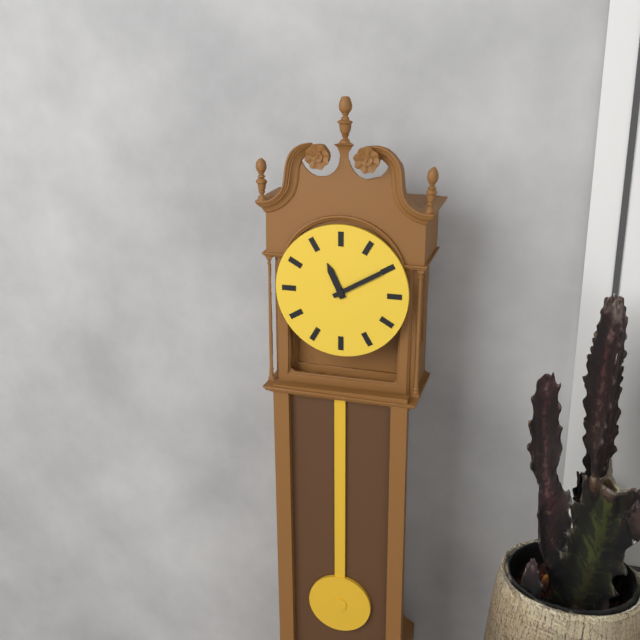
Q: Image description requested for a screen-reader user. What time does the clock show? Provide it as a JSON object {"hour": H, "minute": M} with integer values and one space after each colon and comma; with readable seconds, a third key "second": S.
{"hour": 11, "minute": 10}
